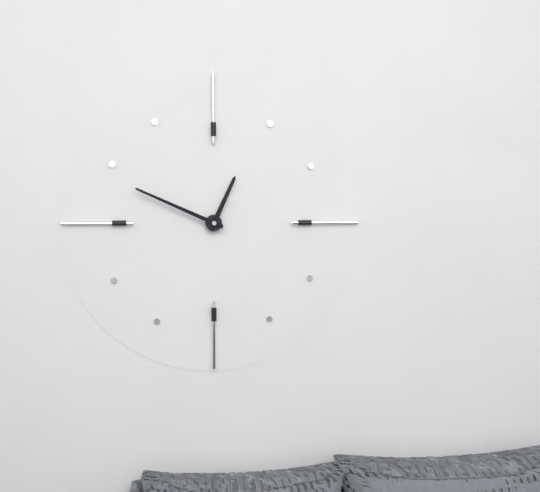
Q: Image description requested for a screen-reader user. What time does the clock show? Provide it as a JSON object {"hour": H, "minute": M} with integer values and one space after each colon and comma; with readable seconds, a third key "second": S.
{"hour": 12, "minute": 49}
